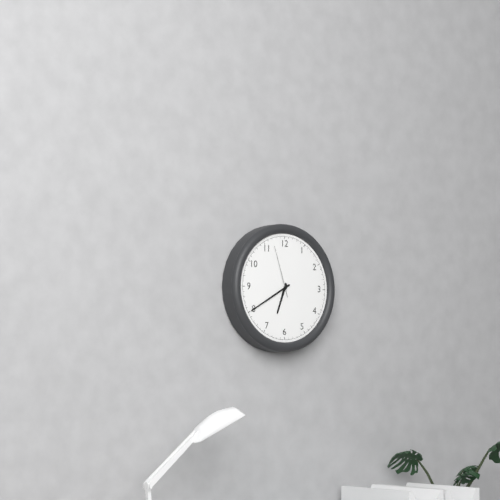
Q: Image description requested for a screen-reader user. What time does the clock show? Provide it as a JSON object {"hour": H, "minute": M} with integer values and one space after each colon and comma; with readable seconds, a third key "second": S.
{"hour": 6, "minute": 40, "second": 57}
